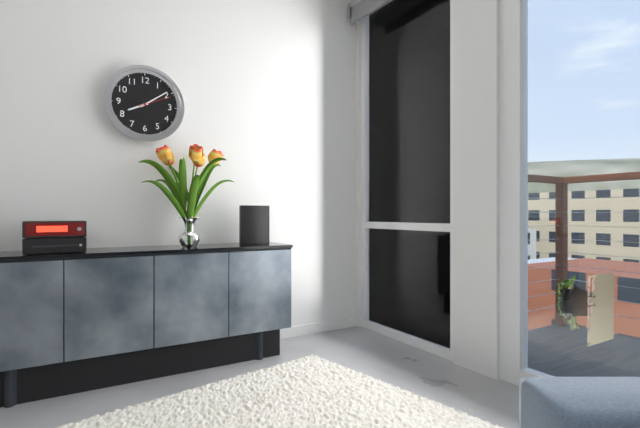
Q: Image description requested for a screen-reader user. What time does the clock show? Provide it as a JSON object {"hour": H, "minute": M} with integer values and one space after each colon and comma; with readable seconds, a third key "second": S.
{"hour": 8, "minute": 9}
